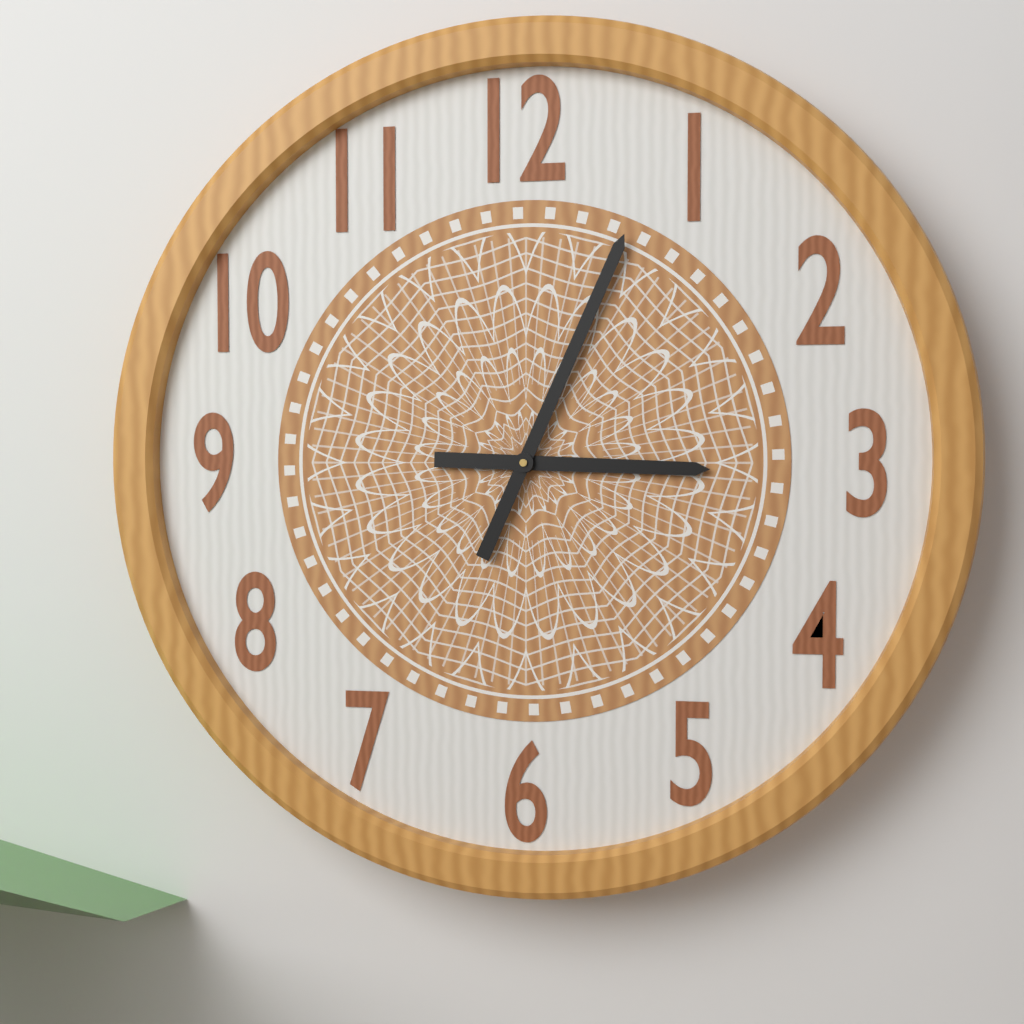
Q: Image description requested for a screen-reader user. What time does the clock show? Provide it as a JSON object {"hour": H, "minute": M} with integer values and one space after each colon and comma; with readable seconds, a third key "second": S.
{"hour": 3, "minute": 4}
